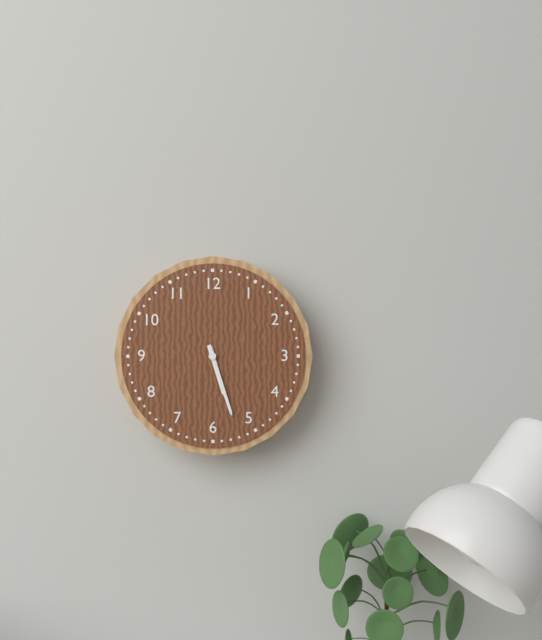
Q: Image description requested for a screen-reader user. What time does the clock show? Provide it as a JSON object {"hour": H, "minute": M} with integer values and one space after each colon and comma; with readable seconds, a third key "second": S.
{"hour": 5, "minute": 27}
